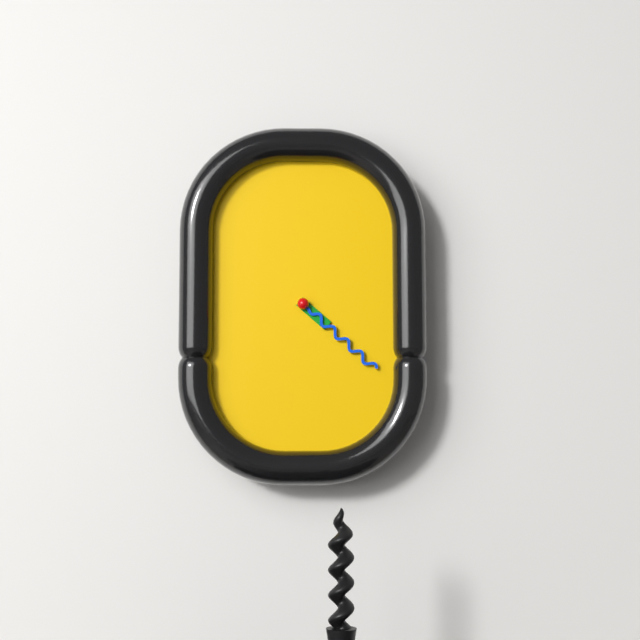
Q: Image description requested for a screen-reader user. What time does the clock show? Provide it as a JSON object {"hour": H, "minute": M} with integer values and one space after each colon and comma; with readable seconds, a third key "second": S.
{"hour": 4, "minute": 22}
